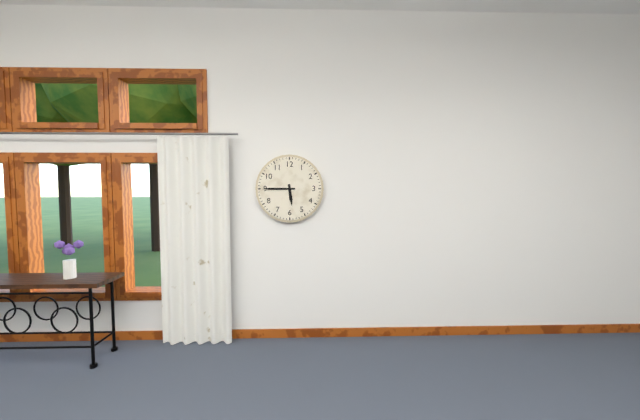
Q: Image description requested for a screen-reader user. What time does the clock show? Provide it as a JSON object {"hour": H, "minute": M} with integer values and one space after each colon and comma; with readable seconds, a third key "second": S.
{"hour": 5, "minute": 45}
